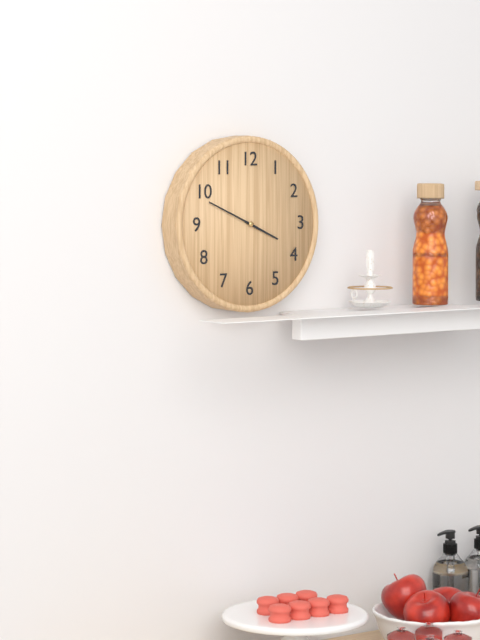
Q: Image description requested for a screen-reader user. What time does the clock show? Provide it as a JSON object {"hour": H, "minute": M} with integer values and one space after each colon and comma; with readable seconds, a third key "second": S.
{"hour": 3, "minute": 49}
